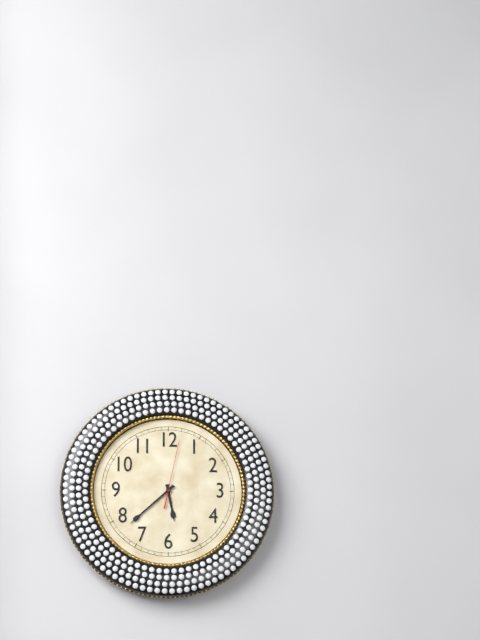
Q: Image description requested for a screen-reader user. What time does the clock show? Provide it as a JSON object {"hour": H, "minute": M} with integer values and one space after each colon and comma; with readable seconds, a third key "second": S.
{"hour": 5, "minute": 38, "second": 2}
